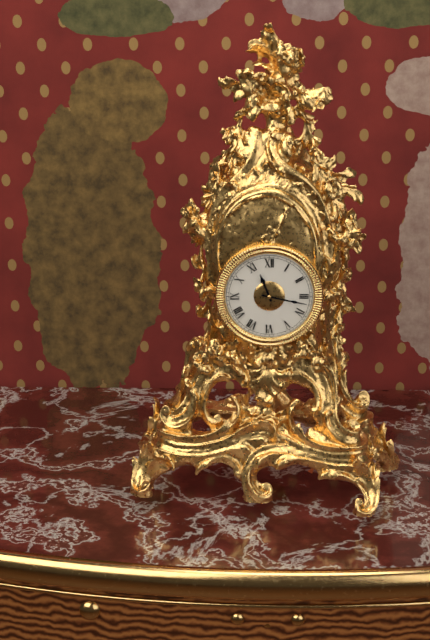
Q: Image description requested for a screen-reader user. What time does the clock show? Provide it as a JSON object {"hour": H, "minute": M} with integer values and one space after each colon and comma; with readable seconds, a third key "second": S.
{"hour": 11, "minute": 17}
